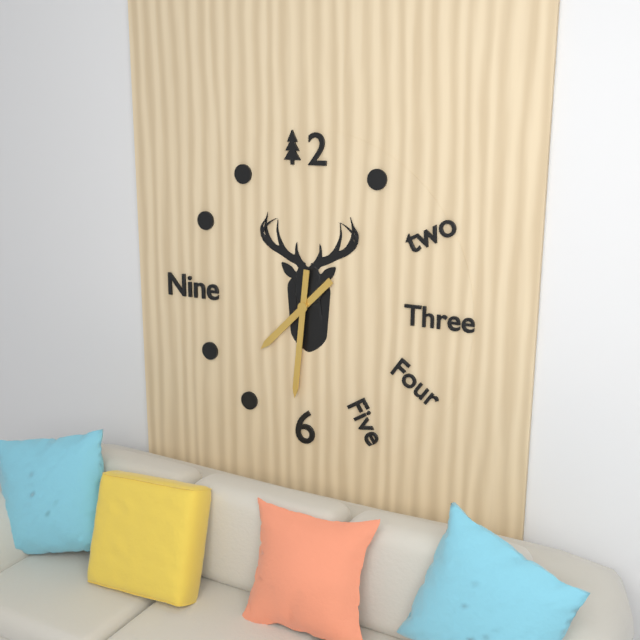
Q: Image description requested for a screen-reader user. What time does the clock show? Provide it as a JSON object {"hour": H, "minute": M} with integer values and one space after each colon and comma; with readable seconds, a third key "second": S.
{"hour": 7, "minute": 31}
